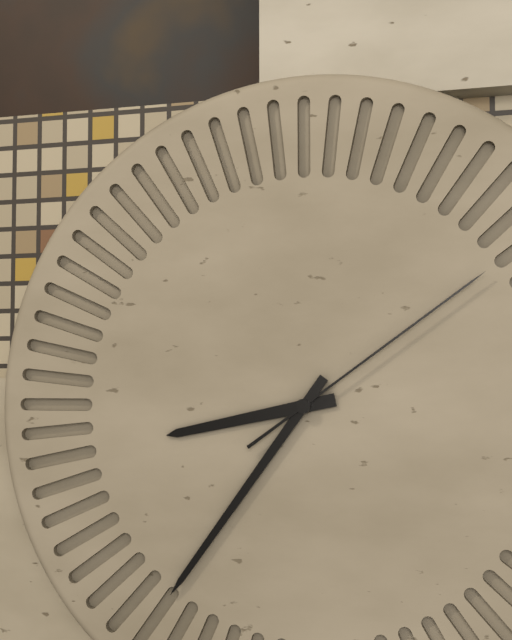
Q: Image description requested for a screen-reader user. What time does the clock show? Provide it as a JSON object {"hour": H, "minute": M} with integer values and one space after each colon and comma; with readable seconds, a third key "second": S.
{"hour": 8, "minute": 36, "second": 9}
